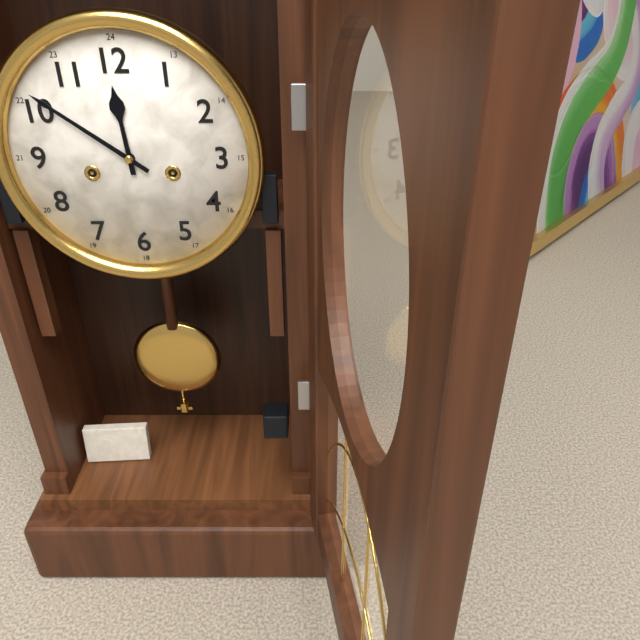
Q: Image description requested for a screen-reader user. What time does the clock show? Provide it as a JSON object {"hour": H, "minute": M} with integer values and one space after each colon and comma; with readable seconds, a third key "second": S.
{"hour": 11, "minute": 51}
